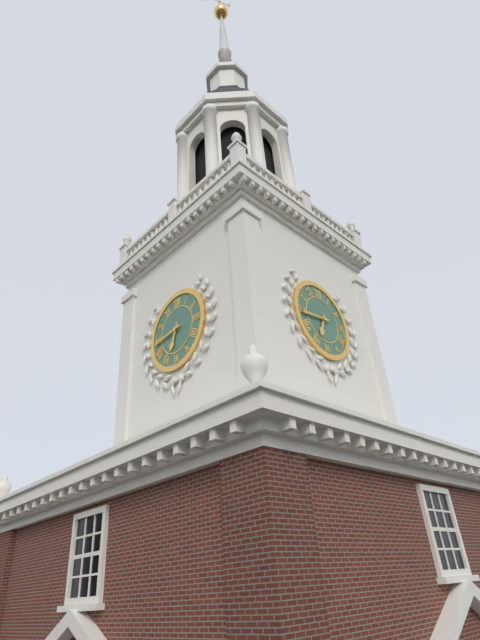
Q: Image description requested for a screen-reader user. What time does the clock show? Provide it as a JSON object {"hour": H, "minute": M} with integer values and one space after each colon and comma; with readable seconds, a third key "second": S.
{"hour": 6, "minute": 44}
